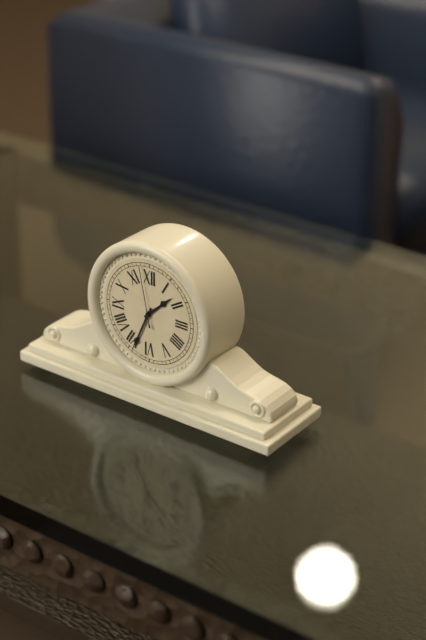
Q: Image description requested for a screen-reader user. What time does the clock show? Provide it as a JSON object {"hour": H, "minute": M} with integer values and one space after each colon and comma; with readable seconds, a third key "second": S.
{"hour": 1, "minute": 34, "second": 58}
